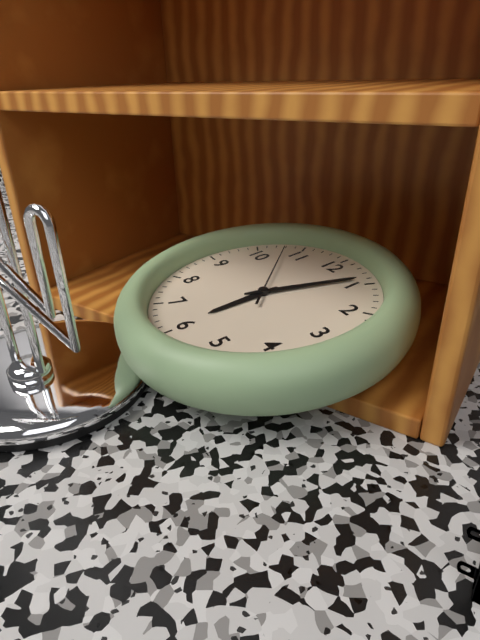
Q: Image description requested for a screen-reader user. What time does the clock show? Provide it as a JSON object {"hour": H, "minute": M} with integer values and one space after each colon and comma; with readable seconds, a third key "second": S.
{"hour": 6, "minute": 4, "second": 53}
